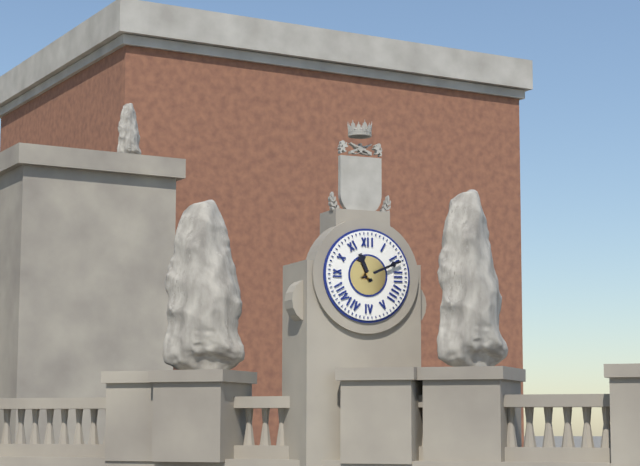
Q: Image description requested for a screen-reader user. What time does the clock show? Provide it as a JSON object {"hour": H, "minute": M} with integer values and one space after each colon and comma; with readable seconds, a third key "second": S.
{"hour": 11, "minute": 11}
